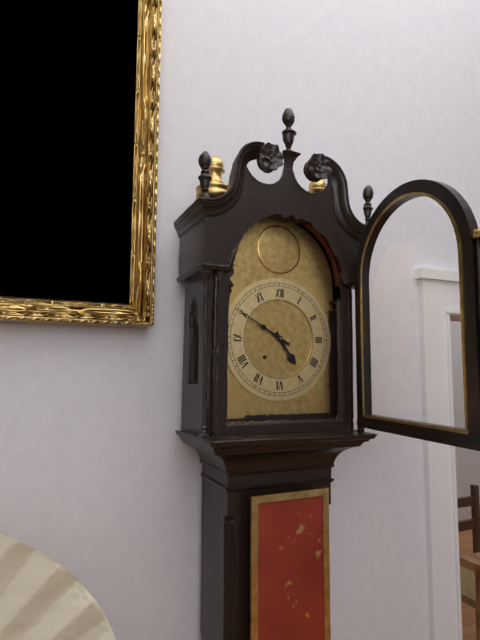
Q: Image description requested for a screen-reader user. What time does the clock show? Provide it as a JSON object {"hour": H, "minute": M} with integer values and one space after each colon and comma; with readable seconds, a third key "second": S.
{"hour": 4, "minute": 50}
